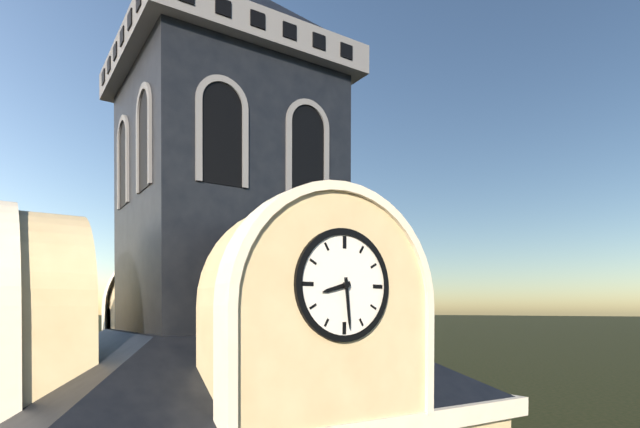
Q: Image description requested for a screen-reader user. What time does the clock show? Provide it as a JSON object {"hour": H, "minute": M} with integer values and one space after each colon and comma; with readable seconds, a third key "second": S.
{"hour": 8, "minute": 29}
